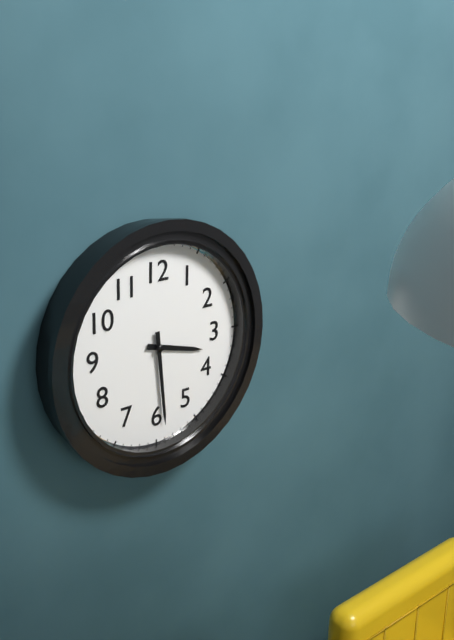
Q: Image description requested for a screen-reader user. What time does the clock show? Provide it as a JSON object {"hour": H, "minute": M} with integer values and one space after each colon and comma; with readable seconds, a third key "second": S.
{"hour": 3, "minute": 29}
